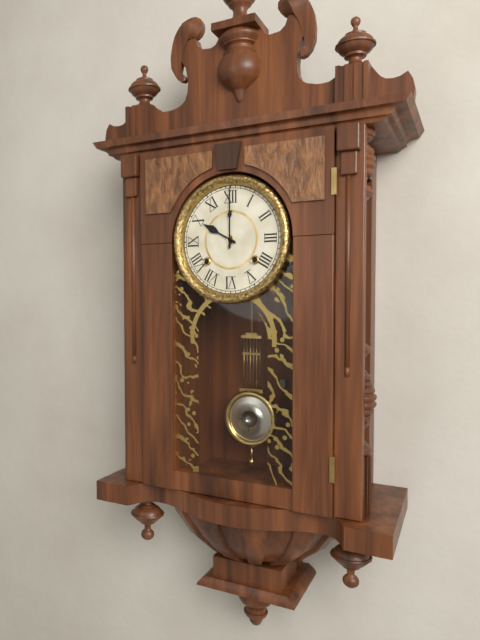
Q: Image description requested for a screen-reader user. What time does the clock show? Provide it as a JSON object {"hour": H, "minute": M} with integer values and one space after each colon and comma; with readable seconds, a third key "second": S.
{"hour": 10, "minute": 0}
